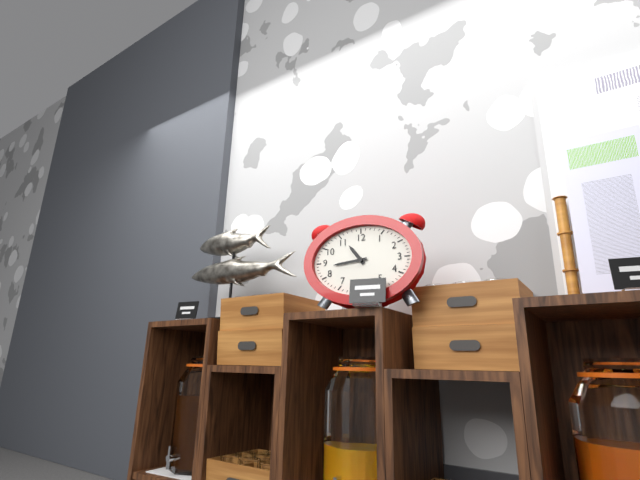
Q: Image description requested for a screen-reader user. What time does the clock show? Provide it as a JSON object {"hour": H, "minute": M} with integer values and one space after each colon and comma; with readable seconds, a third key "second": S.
{"hour": 10, "minute": 44}
